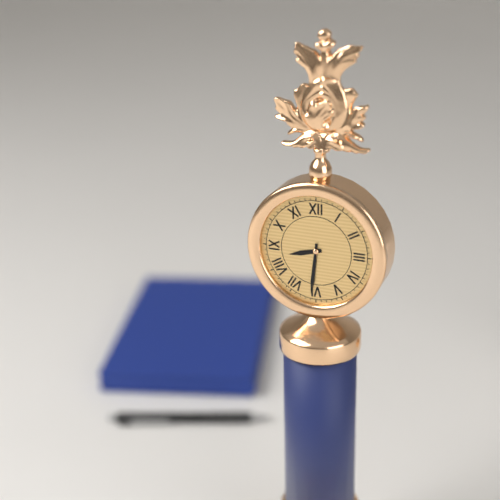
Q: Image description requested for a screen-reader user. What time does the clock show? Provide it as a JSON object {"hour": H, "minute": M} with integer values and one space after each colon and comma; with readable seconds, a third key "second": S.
{"hour": 8, "minute": 31}
